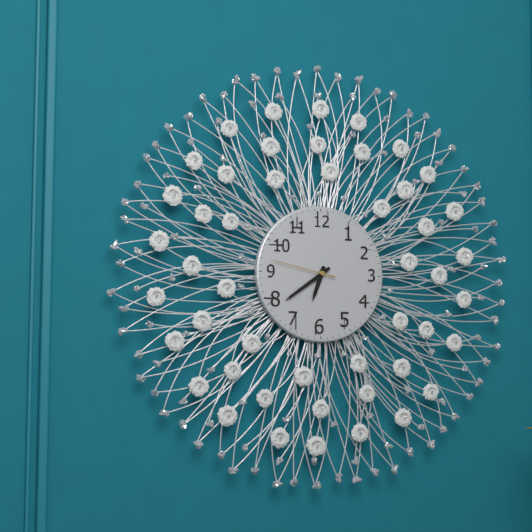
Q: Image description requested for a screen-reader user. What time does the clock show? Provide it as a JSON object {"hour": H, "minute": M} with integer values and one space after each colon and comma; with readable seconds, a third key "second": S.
{"hour": 6, "minute": 39, "second": 47}
